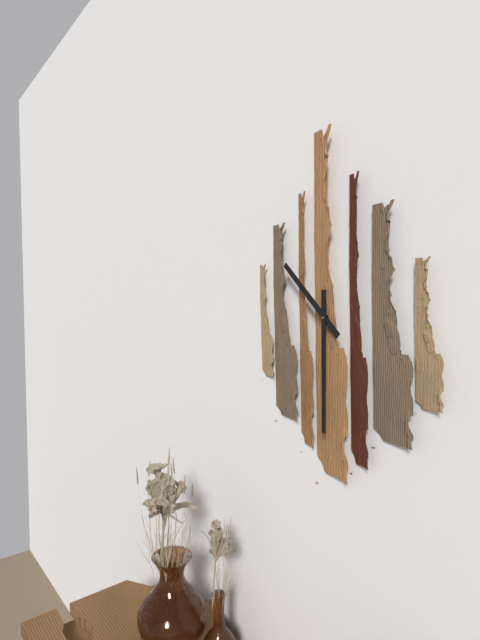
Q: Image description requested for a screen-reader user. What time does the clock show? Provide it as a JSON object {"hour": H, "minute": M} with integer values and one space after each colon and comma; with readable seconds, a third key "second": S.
{"hour": 10, "minute": 30}
